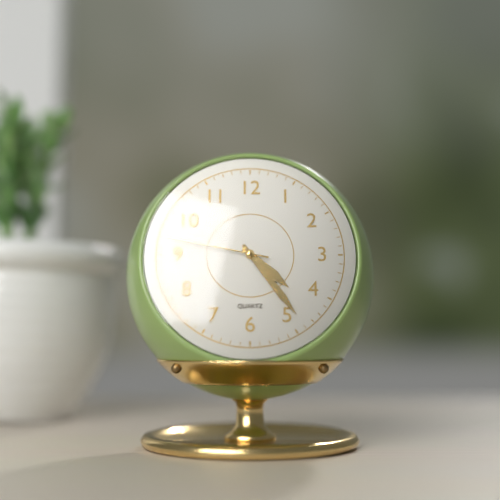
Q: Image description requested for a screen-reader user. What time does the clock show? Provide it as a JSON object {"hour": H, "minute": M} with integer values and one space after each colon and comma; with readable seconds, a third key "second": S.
{"hour": 4, "minute": 24, "second": 47}
